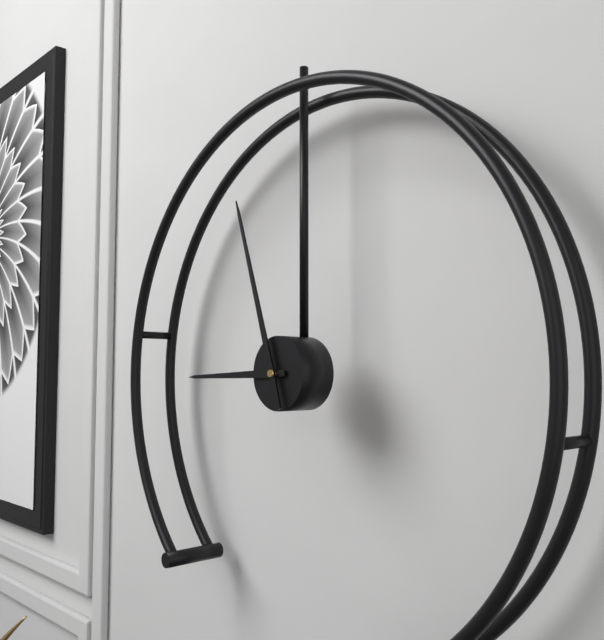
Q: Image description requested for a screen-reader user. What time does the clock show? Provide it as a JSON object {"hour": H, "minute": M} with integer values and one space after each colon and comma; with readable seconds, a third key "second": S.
{"hour": 8, "minute": 57}
